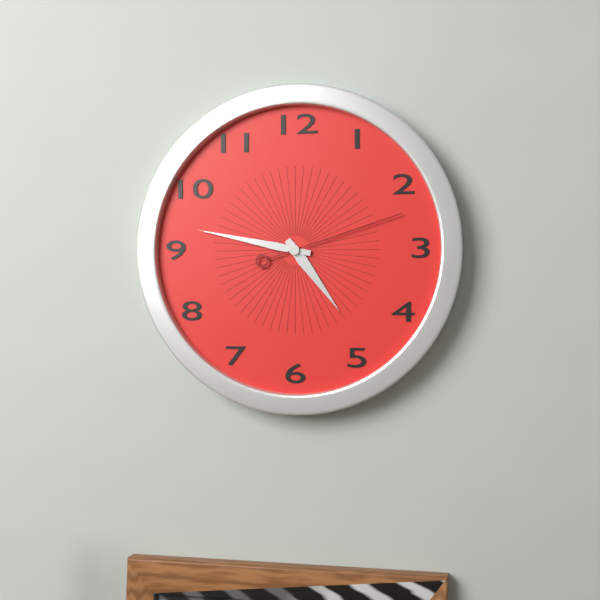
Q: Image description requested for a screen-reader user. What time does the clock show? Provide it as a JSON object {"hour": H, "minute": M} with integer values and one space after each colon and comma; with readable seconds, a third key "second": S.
{"hour": 4, "minute": 47, "second": 12}
